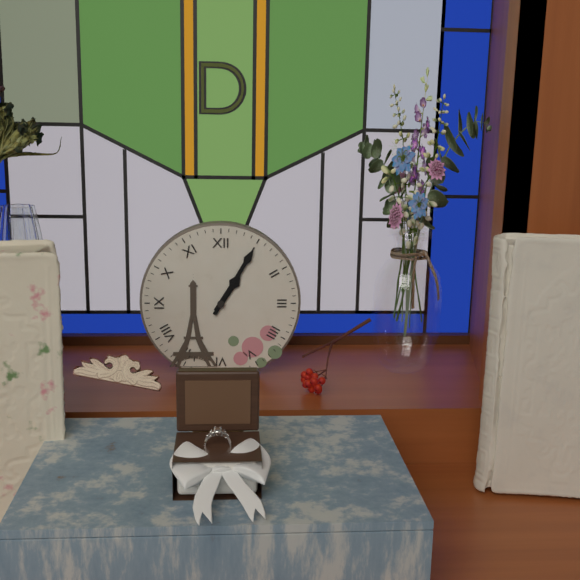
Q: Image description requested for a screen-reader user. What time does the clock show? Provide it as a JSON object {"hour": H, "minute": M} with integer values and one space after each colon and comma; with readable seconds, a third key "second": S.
{"hour": 1, "minute": 5}
